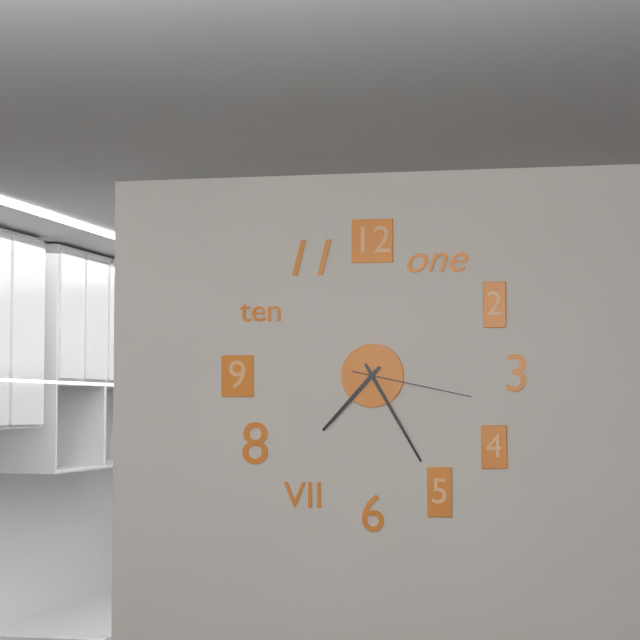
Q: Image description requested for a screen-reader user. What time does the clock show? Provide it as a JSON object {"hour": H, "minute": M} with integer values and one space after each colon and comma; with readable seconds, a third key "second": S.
{"hour": 7, "minute": 25, "second": 17}
